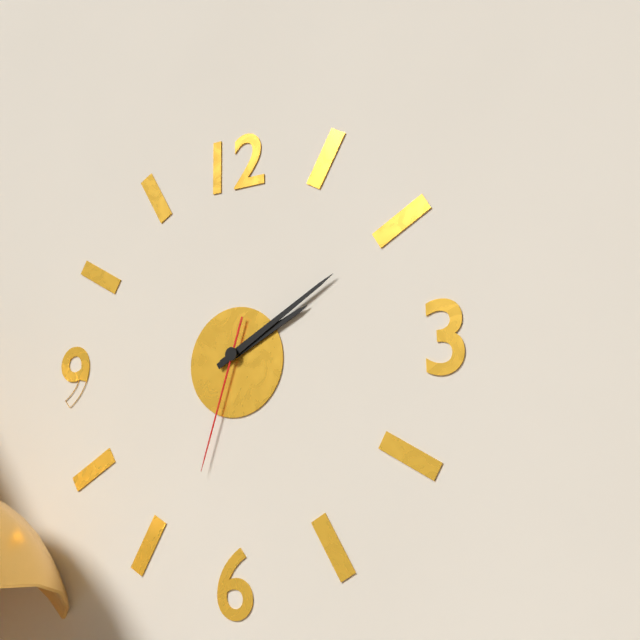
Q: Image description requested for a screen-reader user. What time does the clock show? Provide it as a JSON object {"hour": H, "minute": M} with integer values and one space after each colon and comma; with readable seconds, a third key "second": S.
{"hour": 2, "minute": 10, "second": 33}
